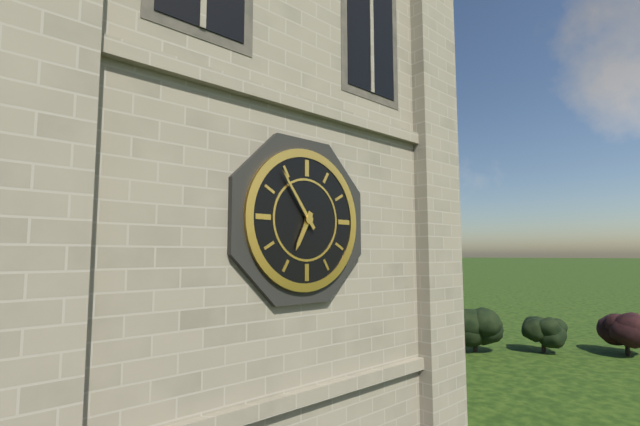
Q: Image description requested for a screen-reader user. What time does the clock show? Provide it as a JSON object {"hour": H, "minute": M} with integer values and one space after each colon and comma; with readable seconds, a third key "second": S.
{"hour": 6, "minute": 54}
